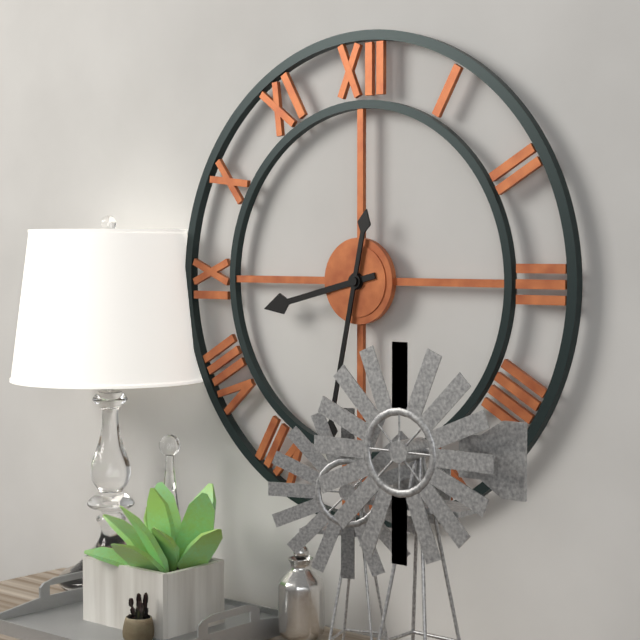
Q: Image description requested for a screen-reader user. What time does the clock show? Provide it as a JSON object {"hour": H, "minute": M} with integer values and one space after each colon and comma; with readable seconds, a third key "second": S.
{"hour": 8, "minute": 32}
